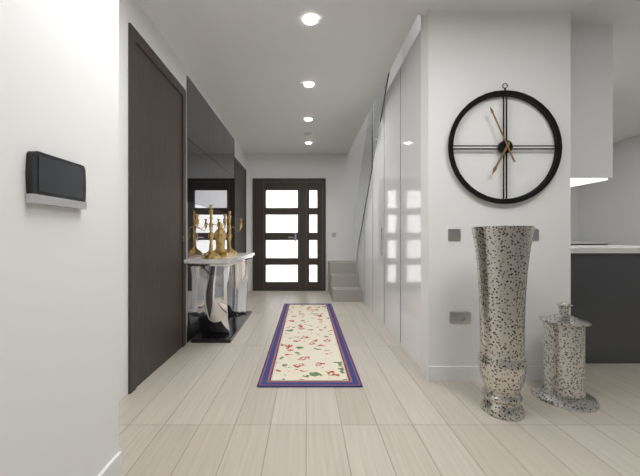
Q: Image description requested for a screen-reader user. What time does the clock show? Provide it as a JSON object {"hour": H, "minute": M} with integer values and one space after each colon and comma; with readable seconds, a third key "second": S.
{"hour": 6, "minute": 56}
